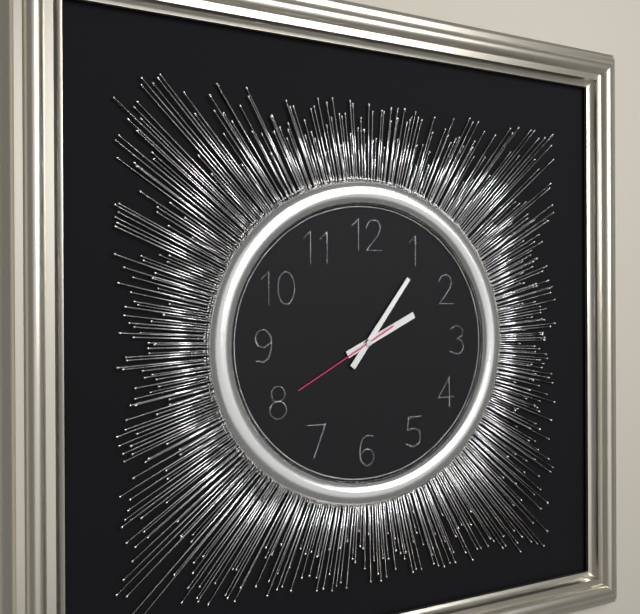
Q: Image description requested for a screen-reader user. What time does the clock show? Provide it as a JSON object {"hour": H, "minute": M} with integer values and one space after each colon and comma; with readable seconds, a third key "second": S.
{"hour": 2, "minute": 6, "second": 40}
